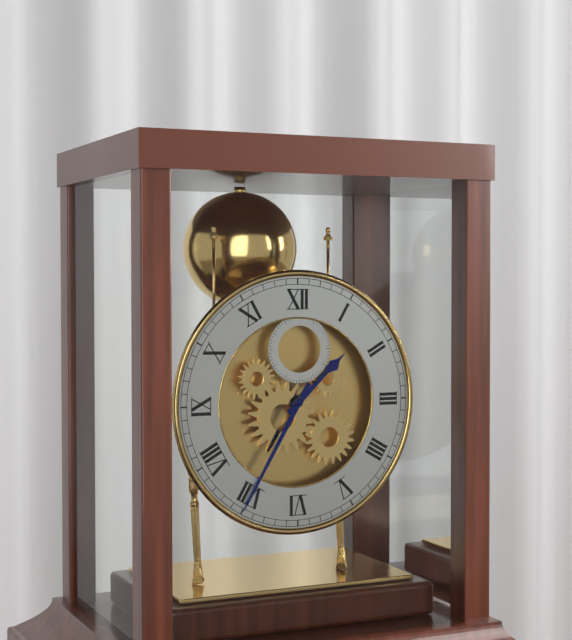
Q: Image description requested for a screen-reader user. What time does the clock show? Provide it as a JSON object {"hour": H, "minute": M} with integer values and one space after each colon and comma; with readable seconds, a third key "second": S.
{"hour": 1, "minute": 35}
